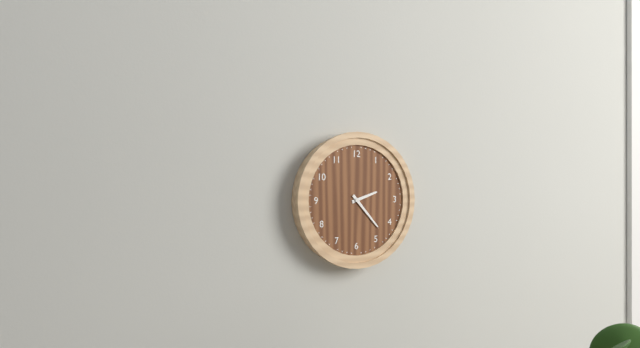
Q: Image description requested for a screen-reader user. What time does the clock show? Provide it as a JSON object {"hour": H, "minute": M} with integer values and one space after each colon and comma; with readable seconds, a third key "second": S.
{"hour": 2, "minute": 23}
